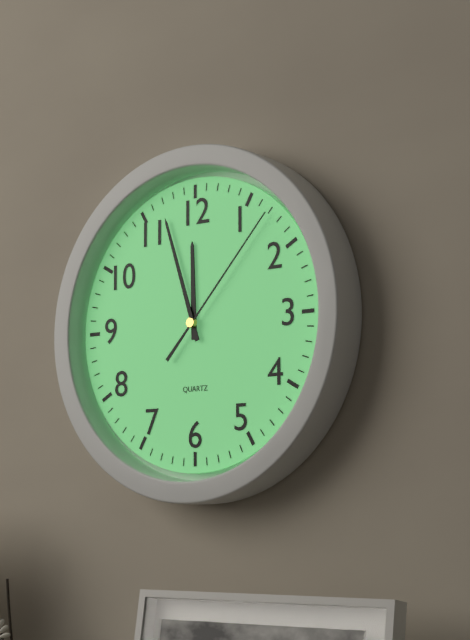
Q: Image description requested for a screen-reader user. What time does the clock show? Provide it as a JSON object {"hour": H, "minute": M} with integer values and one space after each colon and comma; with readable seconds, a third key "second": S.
{"hour": 11, "minute": 57, "second": 7}
